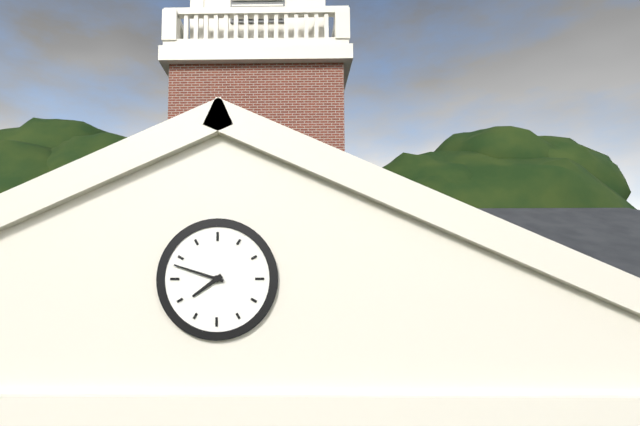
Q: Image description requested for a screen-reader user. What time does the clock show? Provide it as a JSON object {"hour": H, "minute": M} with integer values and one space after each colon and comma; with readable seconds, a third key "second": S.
{"hour": 7, "minute": 48}
